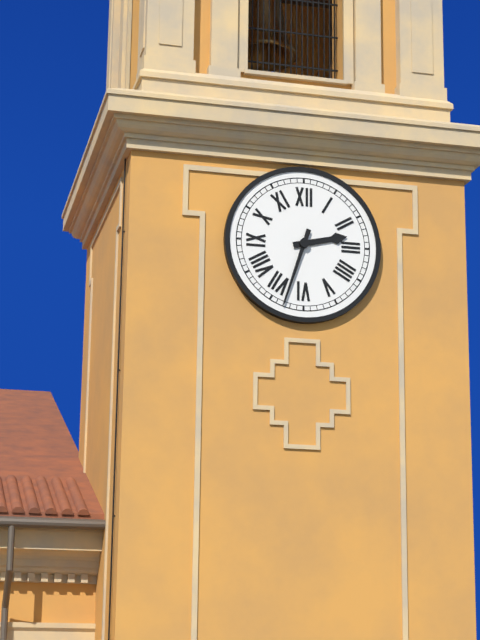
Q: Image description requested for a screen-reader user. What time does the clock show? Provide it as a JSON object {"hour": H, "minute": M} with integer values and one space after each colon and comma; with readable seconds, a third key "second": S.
{"hour": 2, "minute": 33}
